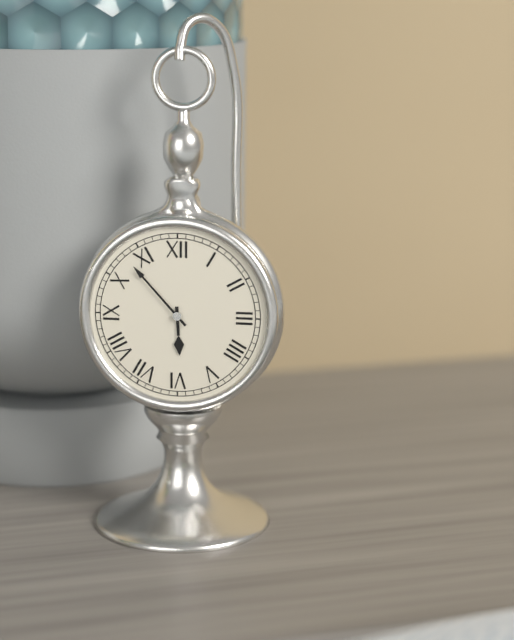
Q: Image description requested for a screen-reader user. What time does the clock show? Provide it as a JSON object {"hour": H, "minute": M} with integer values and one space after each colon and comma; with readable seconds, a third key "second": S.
{"hour": 5, "minute": 53}
